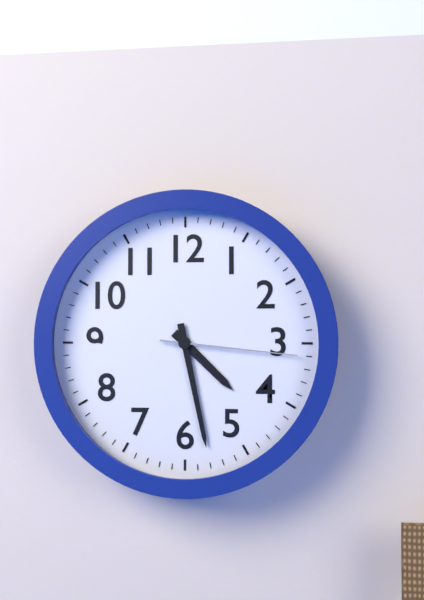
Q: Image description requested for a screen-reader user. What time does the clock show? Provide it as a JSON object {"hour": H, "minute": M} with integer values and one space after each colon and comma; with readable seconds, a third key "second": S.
{"hour": 4, "minute": 28, "second": 16}
